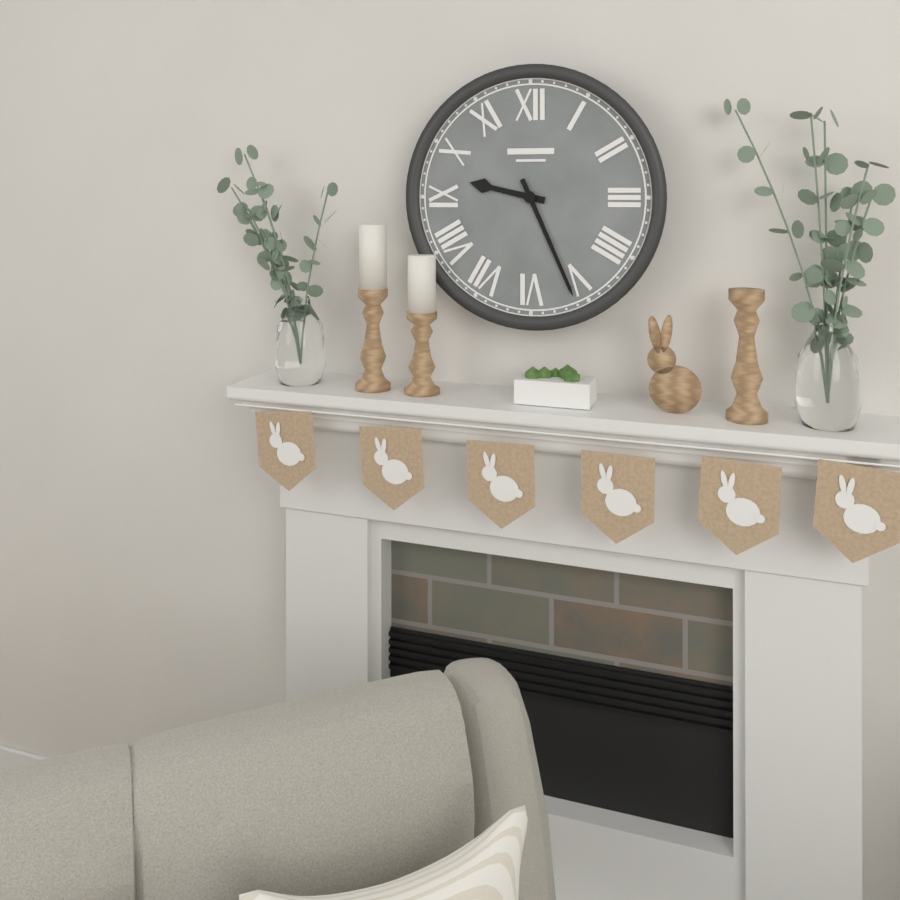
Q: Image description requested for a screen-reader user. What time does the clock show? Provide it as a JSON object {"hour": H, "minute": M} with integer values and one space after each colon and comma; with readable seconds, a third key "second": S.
{"hour": 9, "minute": 26}
